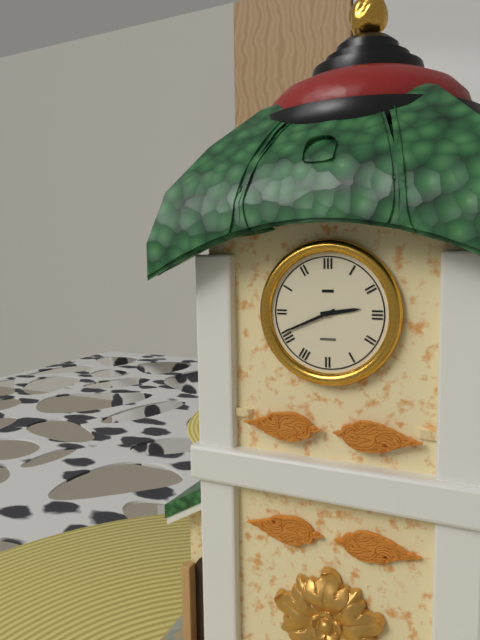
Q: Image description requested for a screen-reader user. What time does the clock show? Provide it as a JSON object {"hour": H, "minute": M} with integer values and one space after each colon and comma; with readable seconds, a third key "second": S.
{"hour": 2, "minute": 41}
